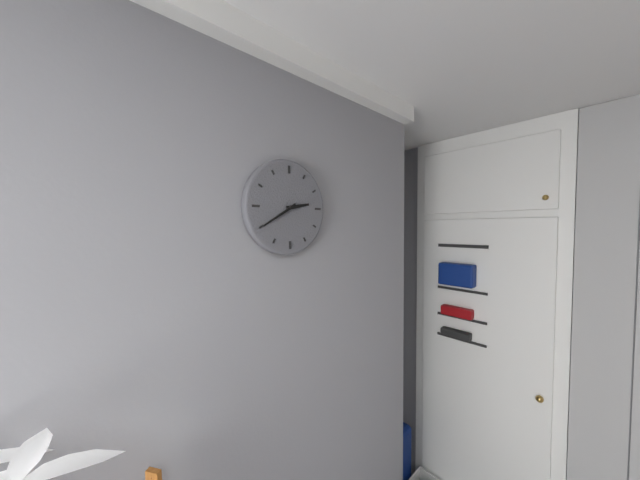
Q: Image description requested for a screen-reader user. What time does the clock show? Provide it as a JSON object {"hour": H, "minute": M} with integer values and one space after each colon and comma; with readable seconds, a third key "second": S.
{"hour": 2, "minute": 40}
